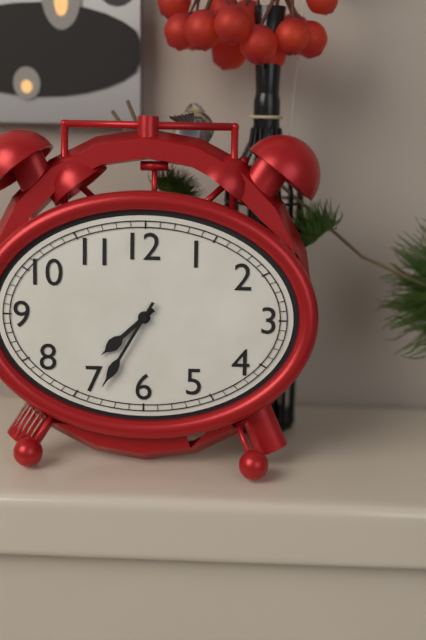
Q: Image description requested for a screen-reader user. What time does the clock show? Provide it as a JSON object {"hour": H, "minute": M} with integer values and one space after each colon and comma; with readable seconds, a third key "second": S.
{"hour": 7, "minute": 35}
